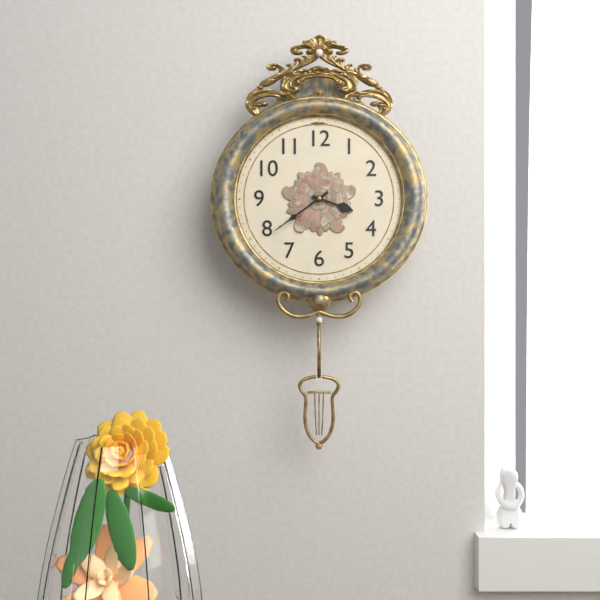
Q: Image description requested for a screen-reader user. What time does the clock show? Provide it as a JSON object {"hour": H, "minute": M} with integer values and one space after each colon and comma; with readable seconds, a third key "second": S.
{"hour": 3, "minute": 39}
